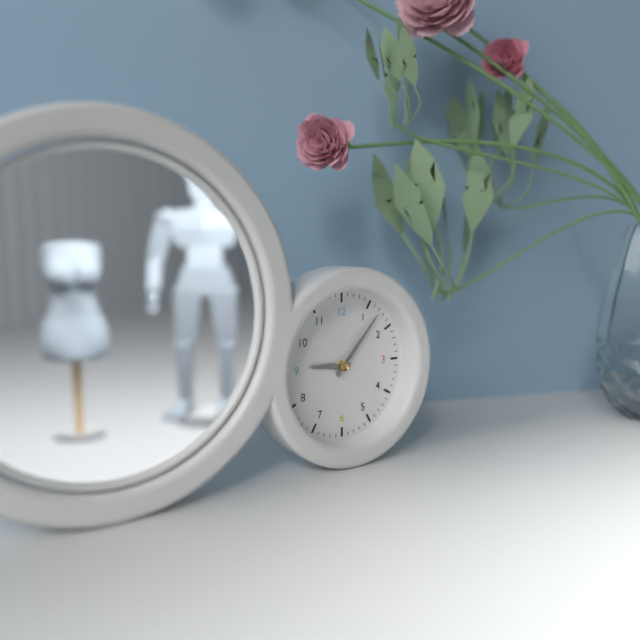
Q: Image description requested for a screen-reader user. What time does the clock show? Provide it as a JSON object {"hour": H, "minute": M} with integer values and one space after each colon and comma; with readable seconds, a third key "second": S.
{"hour": 9, "minute": 7}
